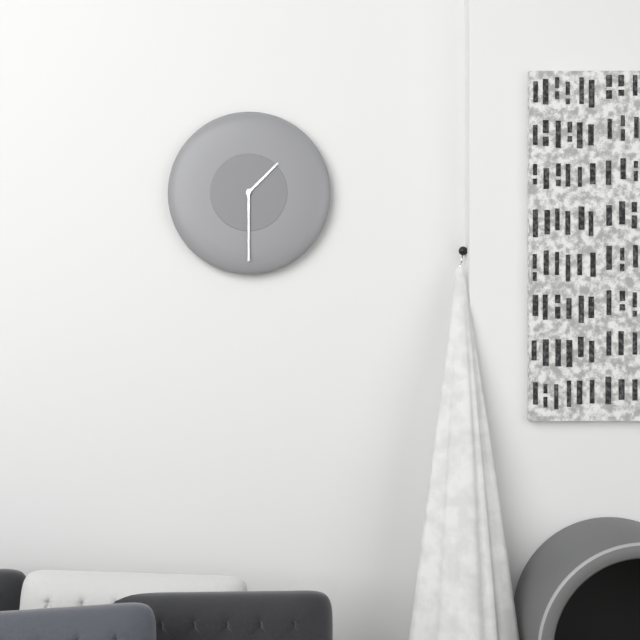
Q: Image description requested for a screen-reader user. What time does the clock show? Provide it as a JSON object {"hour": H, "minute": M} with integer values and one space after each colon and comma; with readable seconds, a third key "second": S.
{"hour": 1, "minute": 30}
